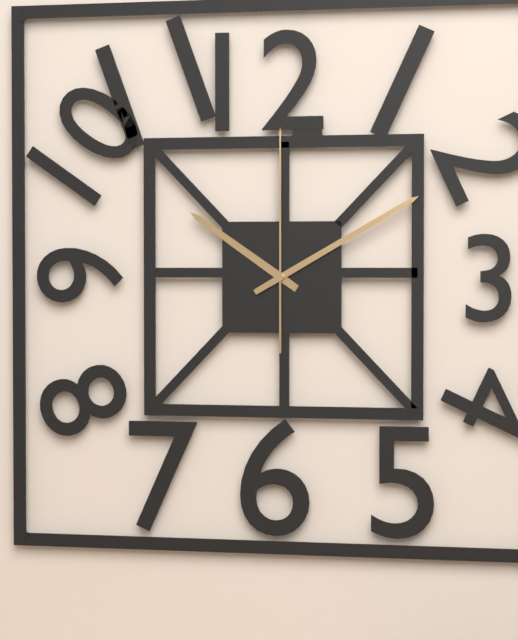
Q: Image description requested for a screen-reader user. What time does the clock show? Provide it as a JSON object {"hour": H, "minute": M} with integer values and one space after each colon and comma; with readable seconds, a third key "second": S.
{"hour": 10, "minute": 10, "second": 0}
